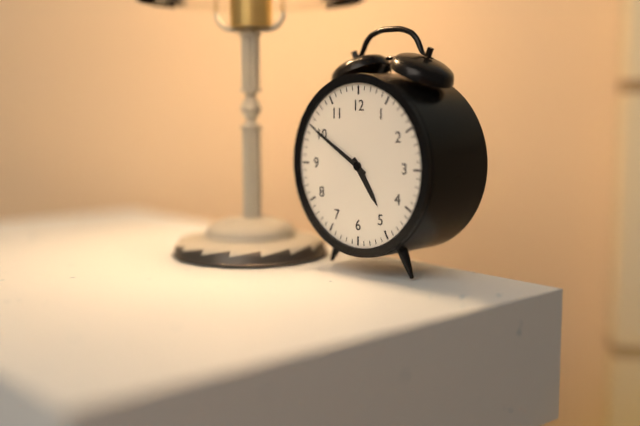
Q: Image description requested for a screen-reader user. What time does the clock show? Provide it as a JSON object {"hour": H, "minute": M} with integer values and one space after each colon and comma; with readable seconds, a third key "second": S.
{"hour": 4, "minute": 50}
